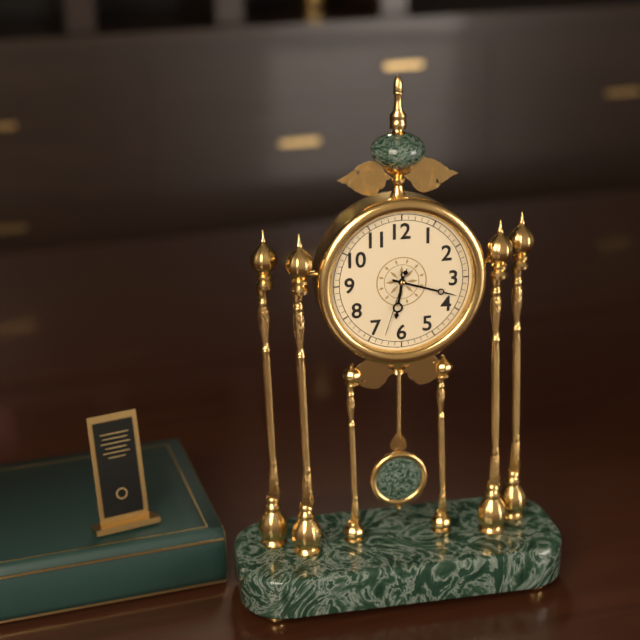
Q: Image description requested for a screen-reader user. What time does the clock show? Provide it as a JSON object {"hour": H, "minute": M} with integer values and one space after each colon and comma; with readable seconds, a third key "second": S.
{"hour": 6, "minute": 18, "second": 33}
